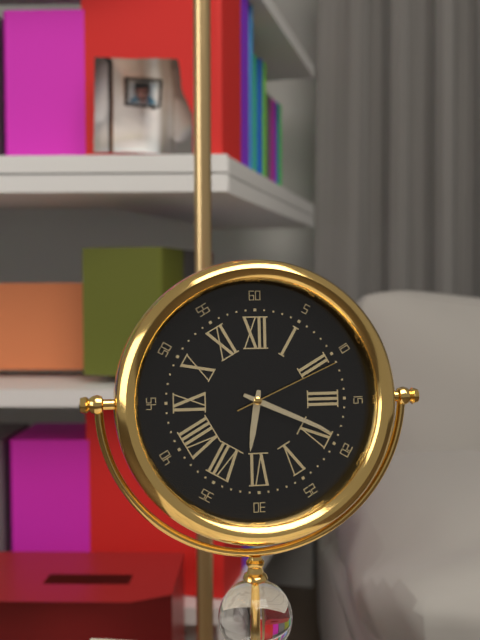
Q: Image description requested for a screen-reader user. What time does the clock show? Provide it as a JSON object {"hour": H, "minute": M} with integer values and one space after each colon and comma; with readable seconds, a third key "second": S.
{"hour": 6, "minute": 19, "second": 11}
